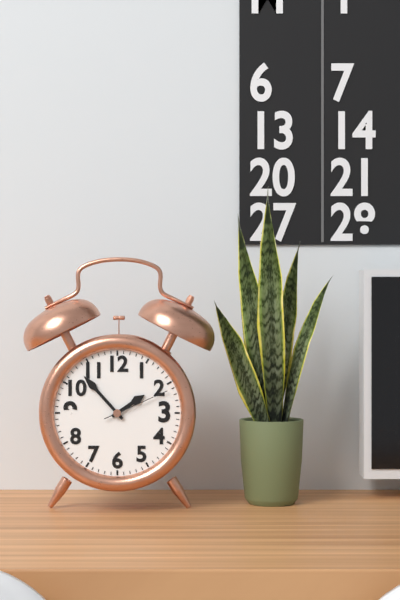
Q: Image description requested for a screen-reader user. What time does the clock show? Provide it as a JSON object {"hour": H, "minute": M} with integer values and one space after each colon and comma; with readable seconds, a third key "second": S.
{"hour": 1, "minute": 53, "second": 11}
